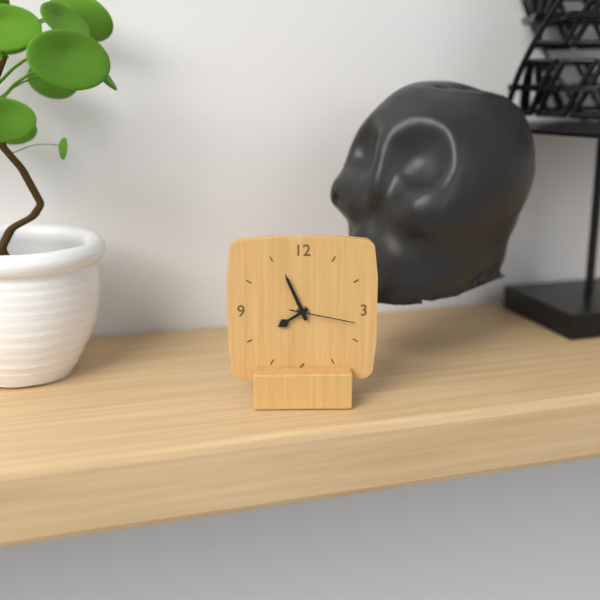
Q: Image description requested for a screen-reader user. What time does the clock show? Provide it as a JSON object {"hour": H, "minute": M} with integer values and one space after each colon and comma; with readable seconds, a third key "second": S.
{"hour": 7, "minute": 56, "second": 17}
